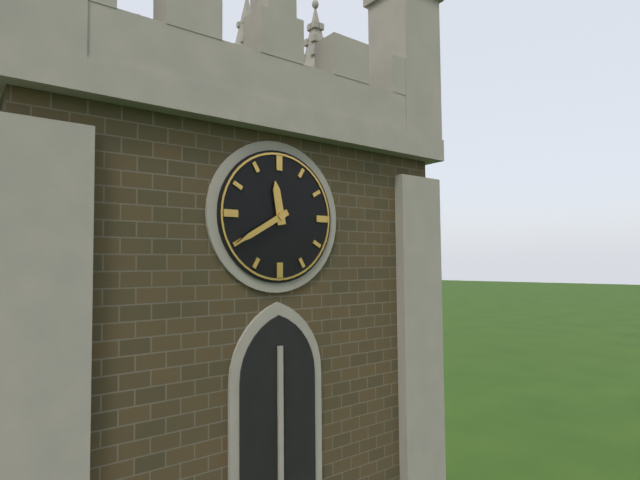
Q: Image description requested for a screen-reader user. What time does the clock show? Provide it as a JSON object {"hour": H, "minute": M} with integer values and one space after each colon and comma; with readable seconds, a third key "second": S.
{"hour": 11, "minute": 40}
